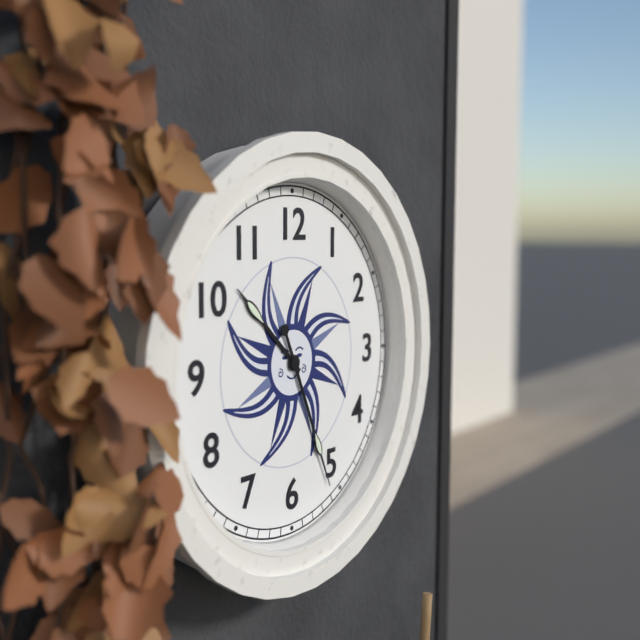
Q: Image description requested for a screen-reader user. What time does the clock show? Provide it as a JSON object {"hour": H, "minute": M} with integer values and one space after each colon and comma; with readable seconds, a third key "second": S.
{"hour": 10, "minute": 26}
